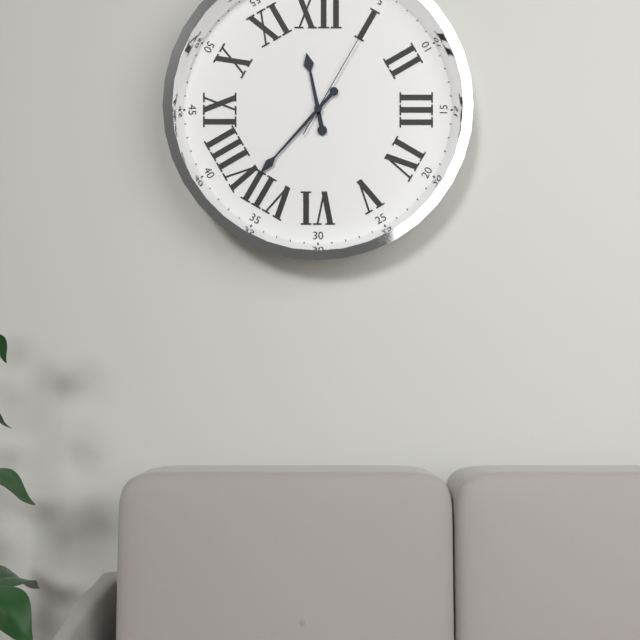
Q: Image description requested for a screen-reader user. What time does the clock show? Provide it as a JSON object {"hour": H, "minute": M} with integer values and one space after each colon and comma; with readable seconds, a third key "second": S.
{"hour": 11, "minute": 37, "second": 5}
